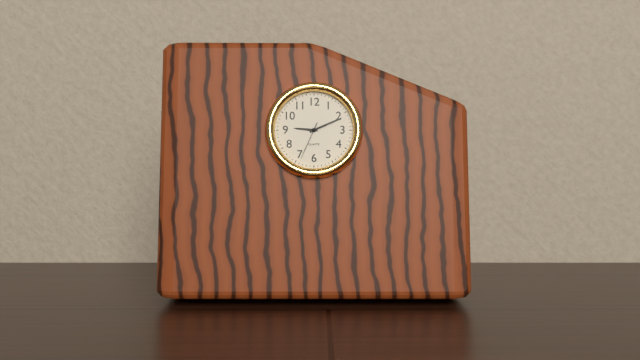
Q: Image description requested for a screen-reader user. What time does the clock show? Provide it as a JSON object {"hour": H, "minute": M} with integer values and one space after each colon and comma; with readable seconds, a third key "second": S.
{"hour": 9, "minute": 11}
